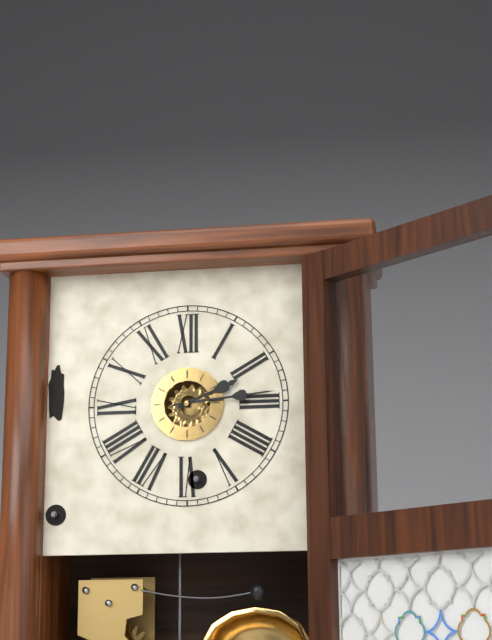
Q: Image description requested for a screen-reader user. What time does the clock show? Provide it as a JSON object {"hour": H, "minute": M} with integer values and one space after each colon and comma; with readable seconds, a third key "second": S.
{"hour": 2, "minute": 14}
